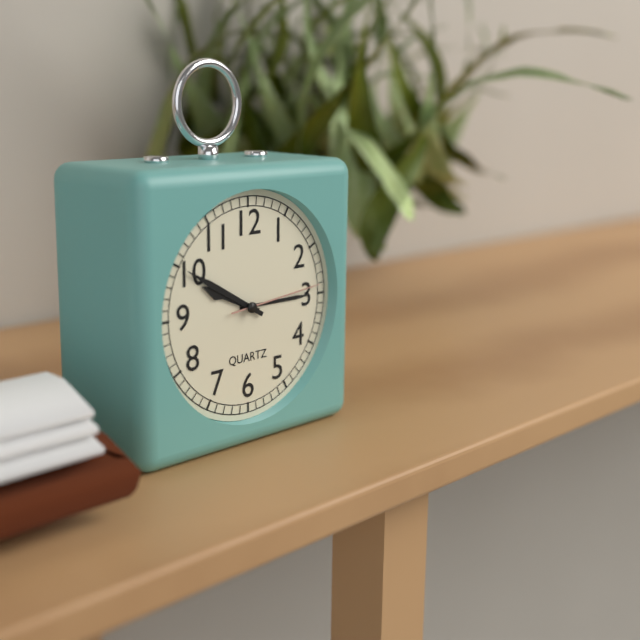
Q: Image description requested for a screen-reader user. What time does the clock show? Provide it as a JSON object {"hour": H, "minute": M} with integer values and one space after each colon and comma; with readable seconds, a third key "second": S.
{"hour": 9, "minute": 50, "second": 14}
